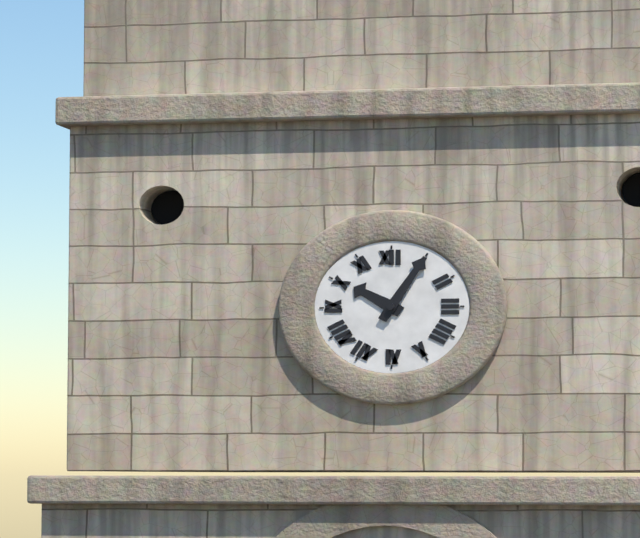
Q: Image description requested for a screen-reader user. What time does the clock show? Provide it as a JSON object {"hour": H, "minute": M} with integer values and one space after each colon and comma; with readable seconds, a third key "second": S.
{"hour": 10, "minute": 5}
